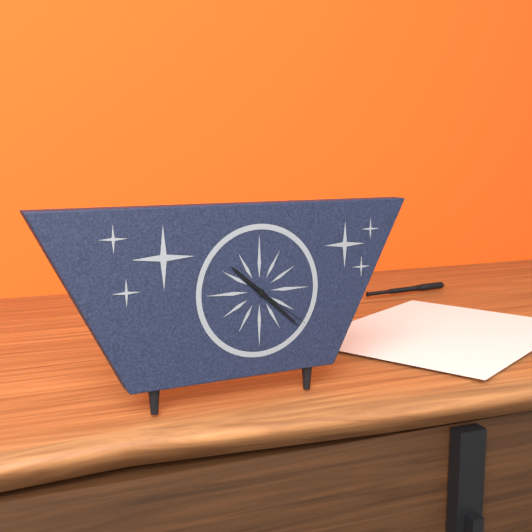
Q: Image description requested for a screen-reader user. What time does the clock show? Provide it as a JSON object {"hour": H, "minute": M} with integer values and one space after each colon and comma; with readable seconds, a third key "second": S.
{"hour": 10, "minute": 22, "second": 21}
